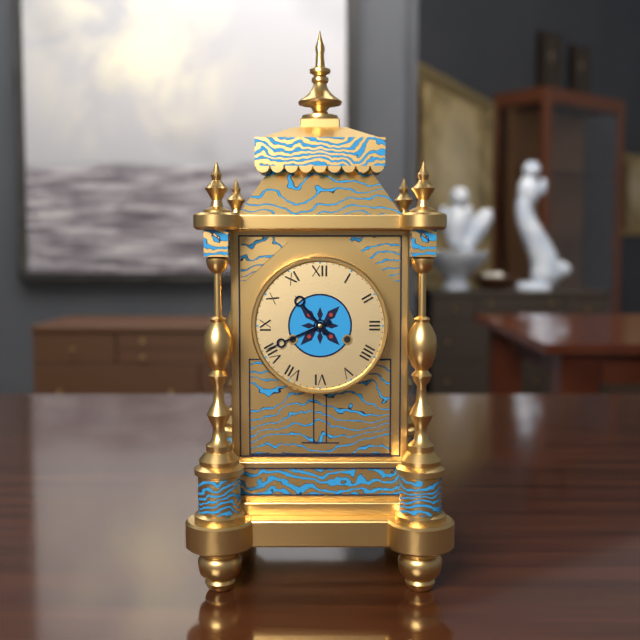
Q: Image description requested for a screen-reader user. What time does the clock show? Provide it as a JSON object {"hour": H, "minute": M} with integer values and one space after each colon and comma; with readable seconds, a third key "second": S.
{"hour": 10, "minute": 41}
